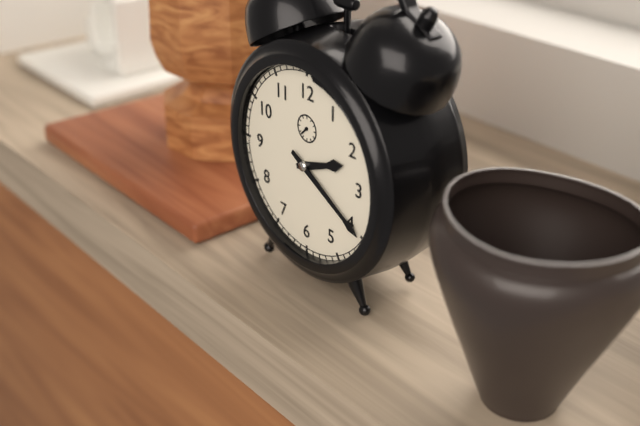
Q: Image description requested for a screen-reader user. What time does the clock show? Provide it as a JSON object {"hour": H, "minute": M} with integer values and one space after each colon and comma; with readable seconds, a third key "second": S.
{"hour": 2, "minute": 20}
